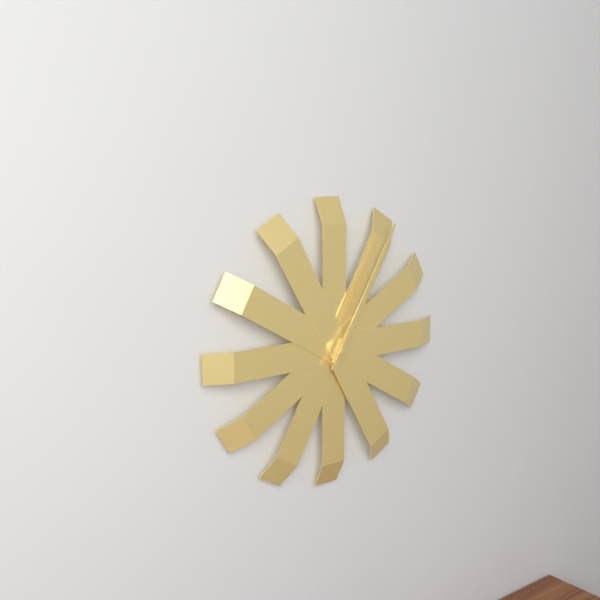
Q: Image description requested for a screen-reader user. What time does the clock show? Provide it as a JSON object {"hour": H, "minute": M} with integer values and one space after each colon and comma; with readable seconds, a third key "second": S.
{"hour": 1, "minute": 5}
